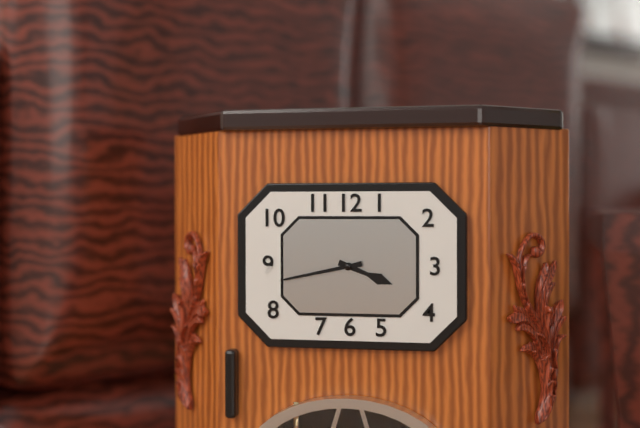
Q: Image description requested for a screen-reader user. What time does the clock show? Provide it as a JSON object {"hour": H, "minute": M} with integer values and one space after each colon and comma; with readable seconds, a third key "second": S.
{"hour": 3, "minute": 43}
